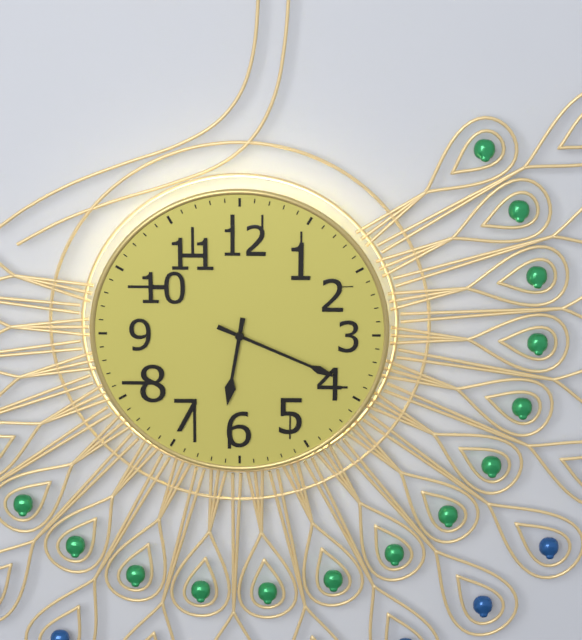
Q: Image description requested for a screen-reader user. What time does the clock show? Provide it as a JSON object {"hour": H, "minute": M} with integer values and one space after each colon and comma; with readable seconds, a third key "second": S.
{"hour": 6, "minute": 19}
